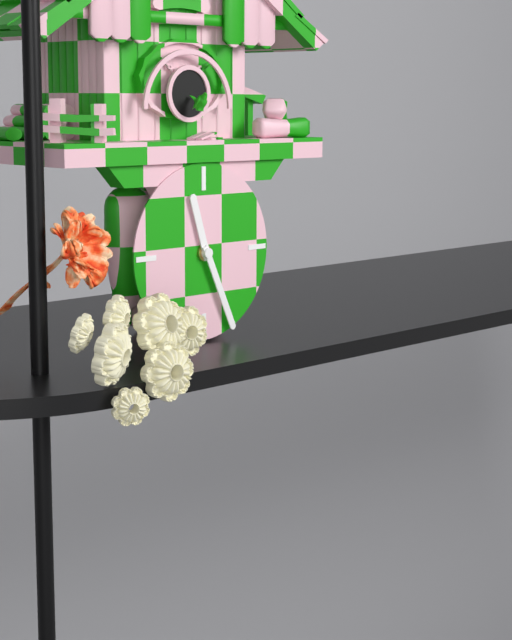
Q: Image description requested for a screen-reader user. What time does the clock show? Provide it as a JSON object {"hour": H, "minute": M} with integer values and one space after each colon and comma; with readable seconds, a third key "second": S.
{"hour": 11, "minute": 26}
